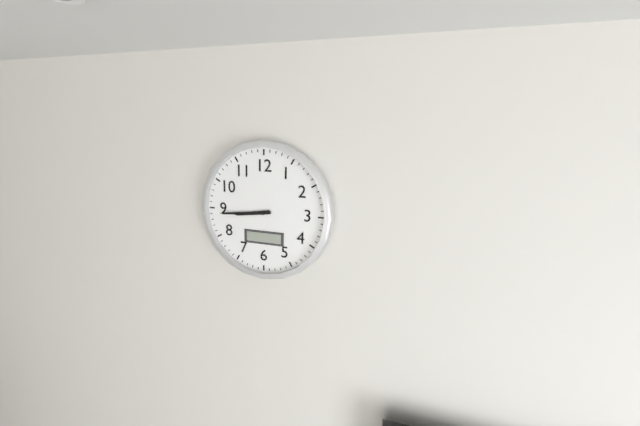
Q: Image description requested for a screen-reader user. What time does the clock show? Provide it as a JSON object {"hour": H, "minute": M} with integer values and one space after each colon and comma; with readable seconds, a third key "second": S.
{"hour": 8, "minute": 44}
